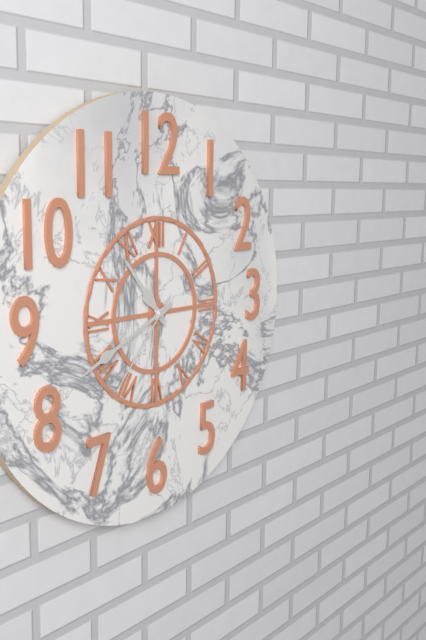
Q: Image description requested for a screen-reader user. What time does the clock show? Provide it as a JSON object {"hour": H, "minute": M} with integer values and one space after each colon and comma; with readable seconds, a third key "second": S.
{"hour": 10, "minute": 41, "second": 37}
